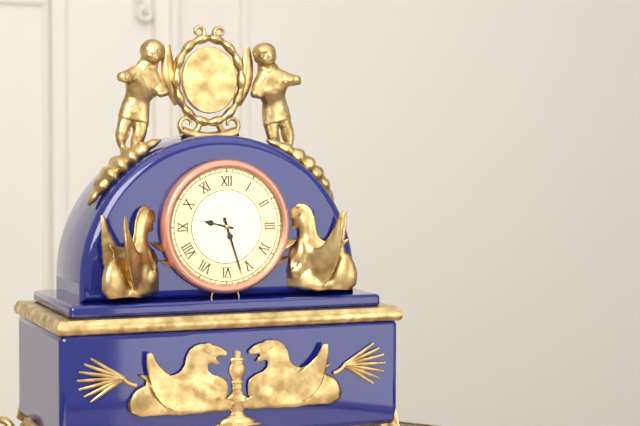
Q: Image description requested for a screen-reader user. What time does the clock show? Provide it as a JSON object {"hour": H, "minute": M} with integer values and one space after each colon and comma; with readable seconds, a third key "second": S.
{"hour": 9, "minute": 27}
